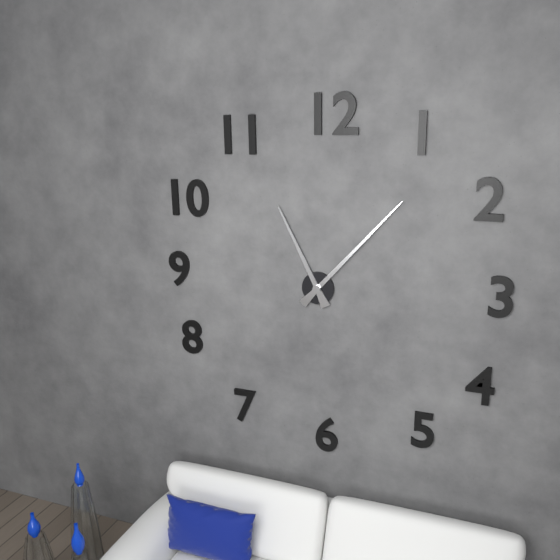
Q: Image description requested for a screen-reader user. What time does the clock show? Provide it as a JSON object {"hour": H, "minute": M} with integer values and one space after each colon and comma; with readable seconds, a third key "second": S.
{"hour": 11, "minute": 7}
